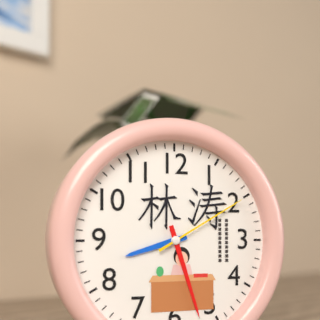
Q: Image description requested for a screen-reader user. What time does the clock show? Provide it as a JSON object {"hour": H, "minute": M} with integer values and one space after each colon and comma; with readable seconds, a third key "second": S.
{"hour": 8, "minute": 27, "second": 10}
